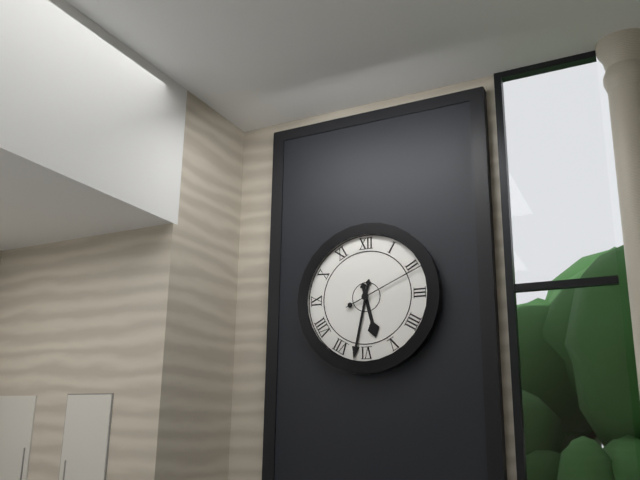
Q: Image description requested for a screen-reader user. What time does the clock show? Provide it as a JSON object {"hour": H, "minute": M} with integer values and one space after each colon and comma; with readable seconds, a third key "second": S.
{"hour": 5, "minute": 32, "second": 11}
